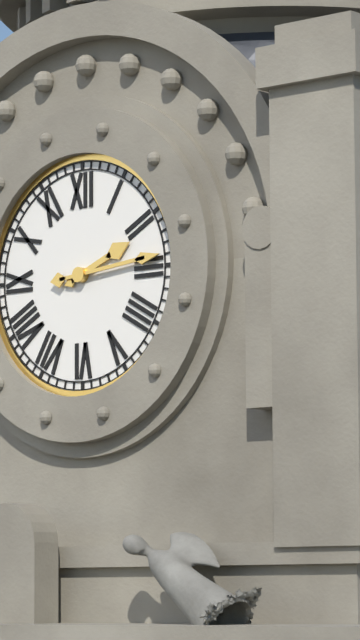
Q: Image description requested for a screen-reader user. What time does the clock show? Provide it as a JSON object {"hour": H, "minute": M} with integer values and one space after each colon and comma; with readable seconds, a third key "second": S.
{"hour": 2, "minute": 14}
